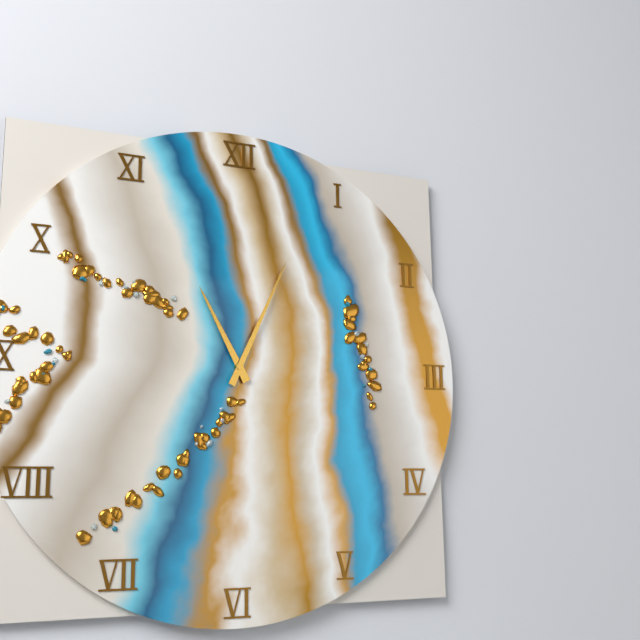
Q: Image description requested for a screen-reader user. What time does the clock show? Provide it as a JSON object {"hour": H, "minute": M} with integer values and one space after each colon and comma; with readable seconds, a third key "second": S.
{"hour": 11, "minute": 4}
